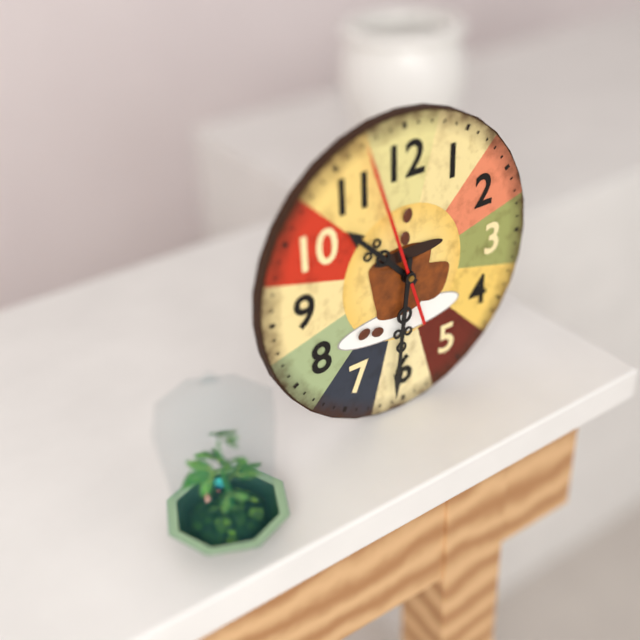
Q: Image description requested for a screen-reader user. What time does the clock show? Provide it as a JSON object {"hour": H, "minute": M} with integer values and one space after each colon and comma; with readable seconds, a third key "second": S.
{"hour": 10, "minute": 31, "second": 57}
